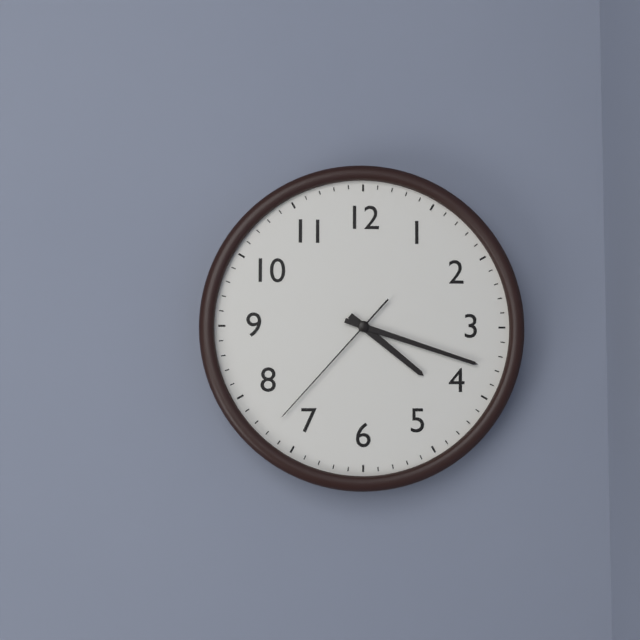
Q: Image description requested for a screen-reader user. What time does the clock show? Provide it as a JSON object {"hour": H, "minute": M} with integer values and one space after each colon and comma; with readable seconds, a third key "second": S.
{"hour": 4, "minute": 18, "second": 37}
